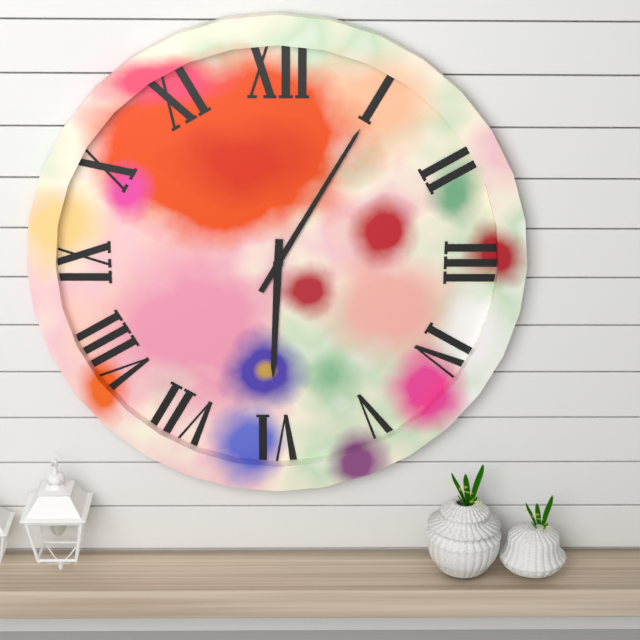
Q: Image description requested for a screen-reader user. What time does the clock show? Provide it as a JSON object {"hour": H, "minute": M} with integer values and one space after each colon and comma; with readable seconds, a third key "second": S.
{"hour": 6, "minute": 5}
